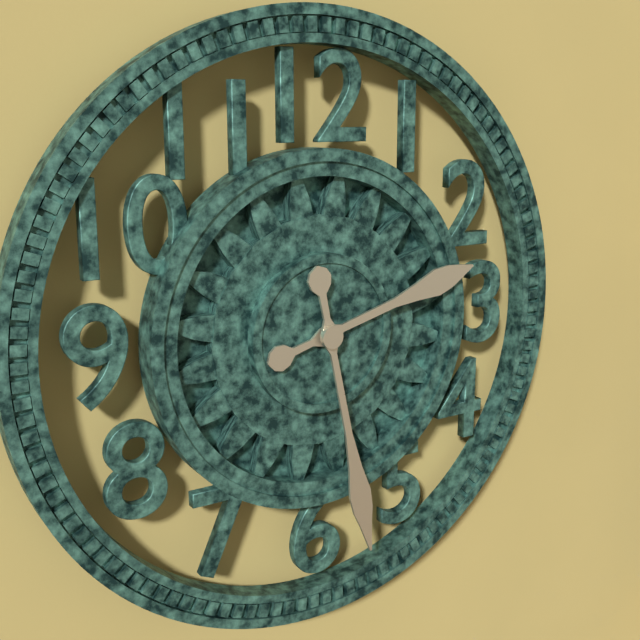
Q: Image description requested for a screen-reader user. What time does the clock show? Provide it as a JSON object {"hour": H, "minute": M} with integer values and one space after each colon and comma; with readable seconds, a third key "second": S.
{"hour": 2, "minute": 28}
